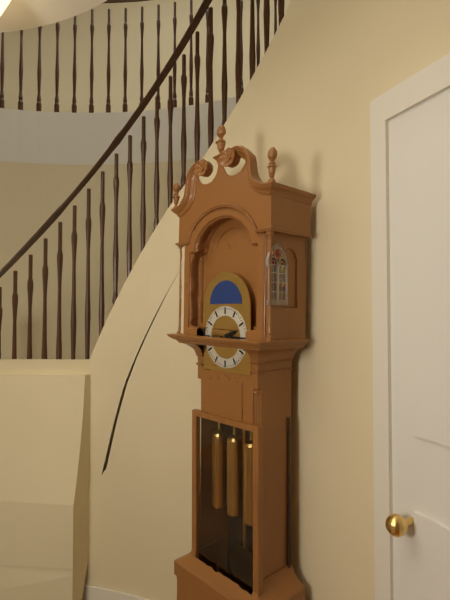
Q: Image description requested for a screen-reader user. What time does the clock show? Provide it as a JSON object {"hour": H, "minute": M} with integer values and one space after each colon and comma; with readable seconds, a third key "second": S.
{"hour": 2, "minute": 15}
